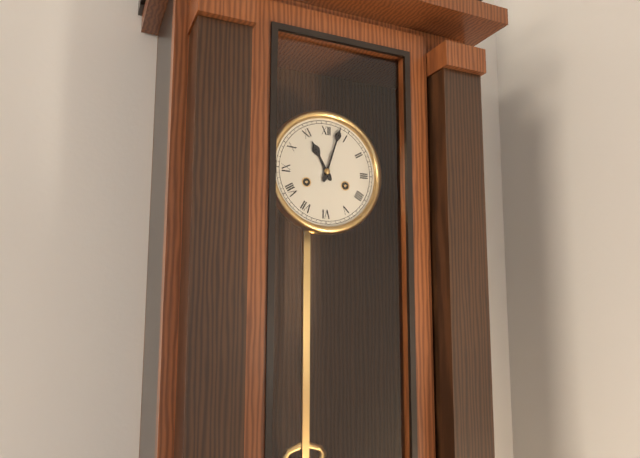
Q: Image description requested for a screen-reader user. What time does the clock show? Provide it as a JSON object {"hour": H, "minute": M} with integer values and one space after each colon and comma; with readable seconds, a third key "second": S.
{"hour": 11, "minute": 3}
